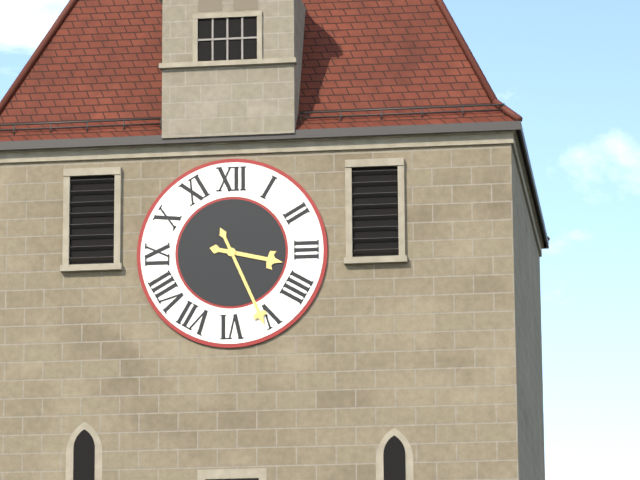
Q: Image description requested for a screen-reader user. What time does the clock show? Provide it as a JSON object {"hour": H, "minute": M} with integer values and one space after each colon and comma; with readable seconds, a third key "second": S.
{"hour": 3, "minute": 26}
